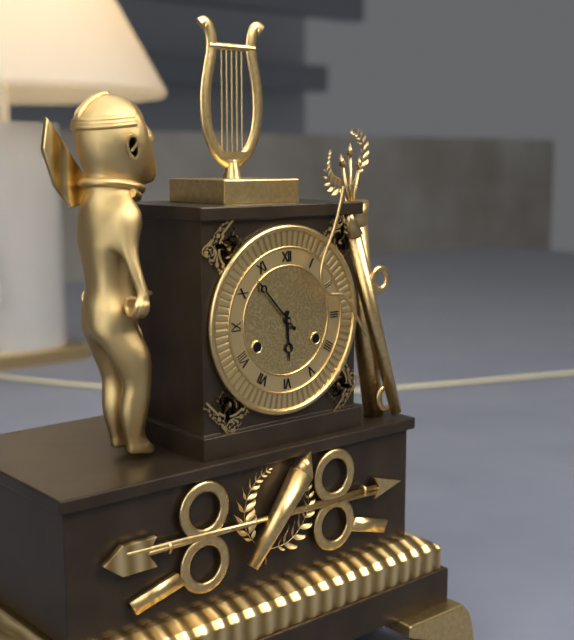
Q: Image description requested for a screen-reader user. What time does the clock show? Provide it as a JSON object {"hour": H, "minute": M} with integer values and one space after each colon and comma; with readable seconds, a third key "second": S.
{"hour": 5, "minute": 53}
